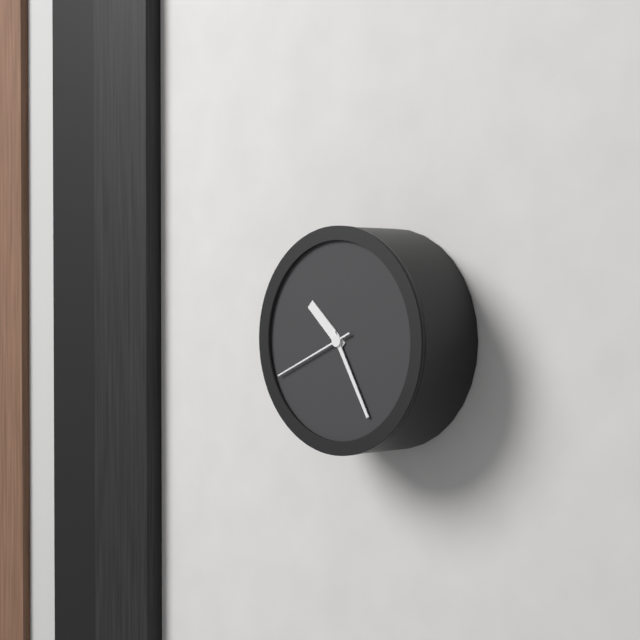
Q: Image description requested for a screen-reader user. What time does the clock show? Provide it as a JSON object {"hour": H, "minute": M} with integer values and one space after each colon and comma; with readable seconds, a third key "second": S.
{"hour": 10, "minute": 25, "second": 41}
